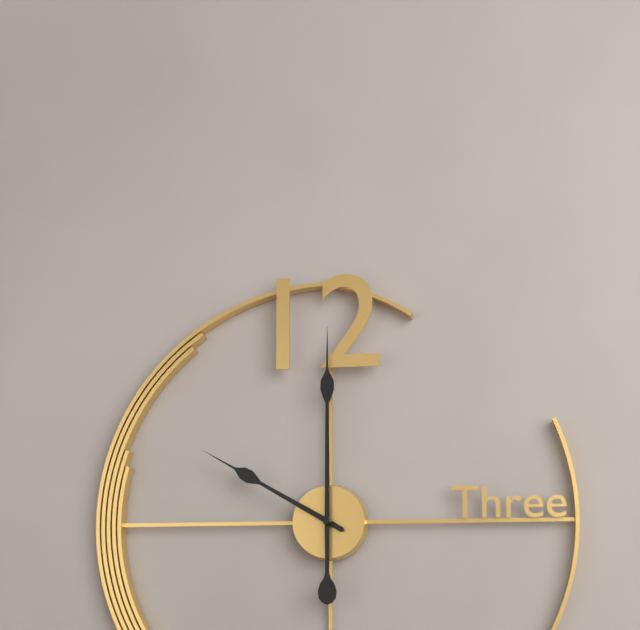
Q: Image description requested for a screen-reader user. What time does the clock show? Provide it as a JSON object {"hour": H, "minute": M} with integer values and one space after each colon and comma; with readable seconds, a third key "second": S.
{"hour": 10, "minute": 0}
